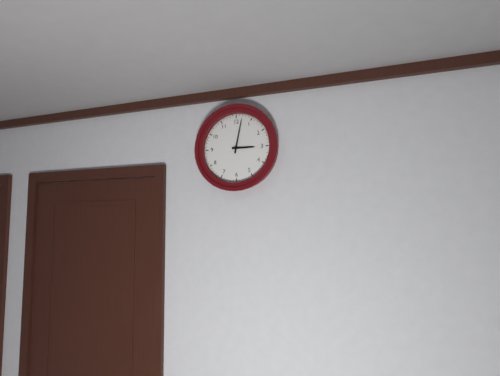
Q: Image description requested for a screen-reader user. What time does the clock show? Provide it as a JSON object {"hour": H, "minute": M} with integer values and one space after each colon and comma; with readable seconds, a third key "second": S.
{"hour": 3, "minute": 2}
